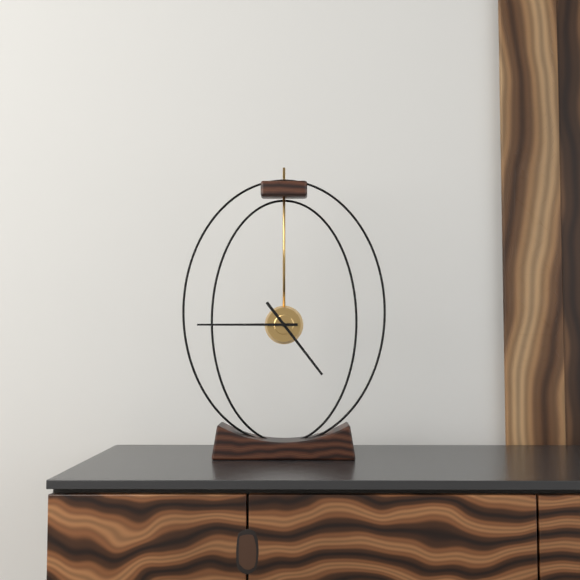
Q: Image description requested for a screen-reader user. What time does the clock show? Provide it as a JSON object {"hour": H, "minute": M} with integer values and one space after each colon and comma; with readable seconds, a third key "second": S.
{"hour": 4, "minute": 45}
